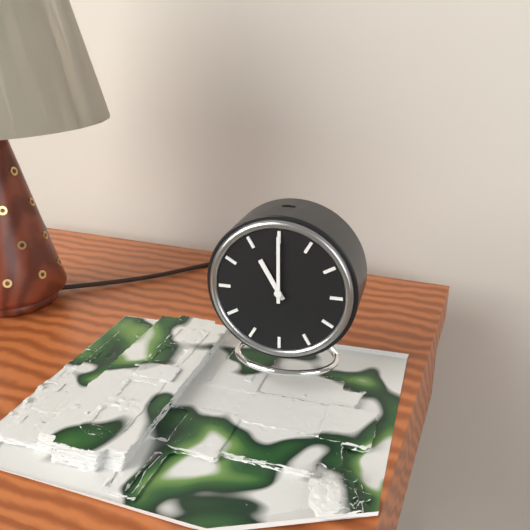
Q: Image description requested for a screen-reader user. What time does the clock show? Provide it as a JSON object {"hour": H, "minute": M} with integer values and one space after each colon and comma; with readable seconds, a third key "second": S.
{"hour": 11, "minute": 0}
